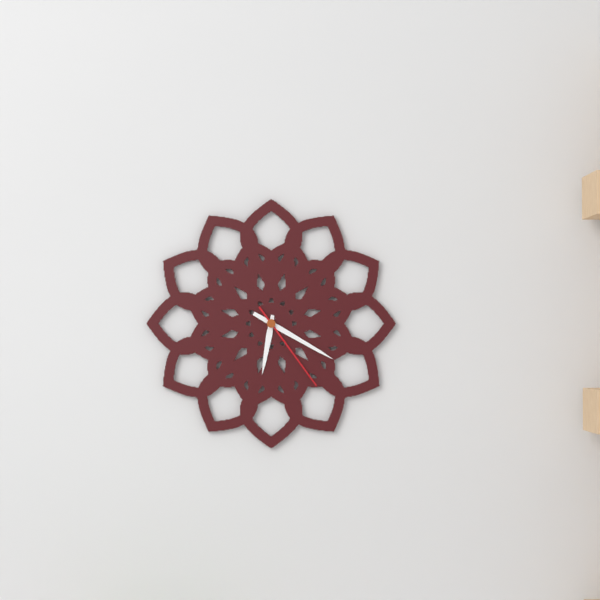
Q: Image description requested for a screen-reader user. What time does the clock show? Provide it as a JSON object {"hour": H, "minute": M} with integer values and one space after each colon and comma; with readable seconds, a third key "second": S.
{"hour": 6, "minute": 20, "second": 24}
